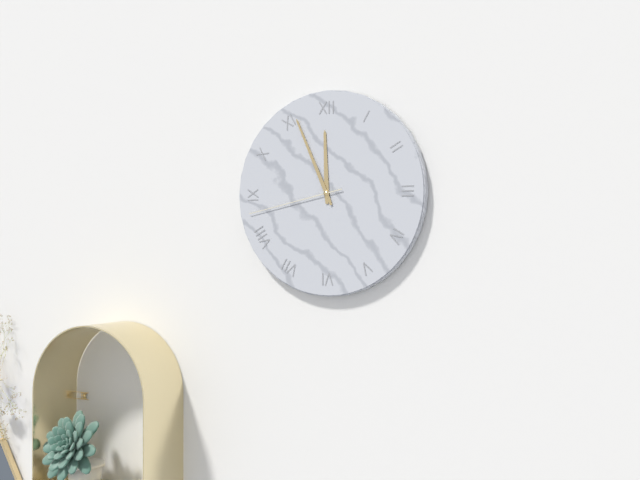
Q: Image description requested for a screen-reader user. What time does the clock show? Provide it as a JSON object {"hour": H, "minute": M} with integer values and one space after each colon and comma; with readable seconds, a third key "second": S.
{"hour": 11, "minute": 56, "second": 43}
